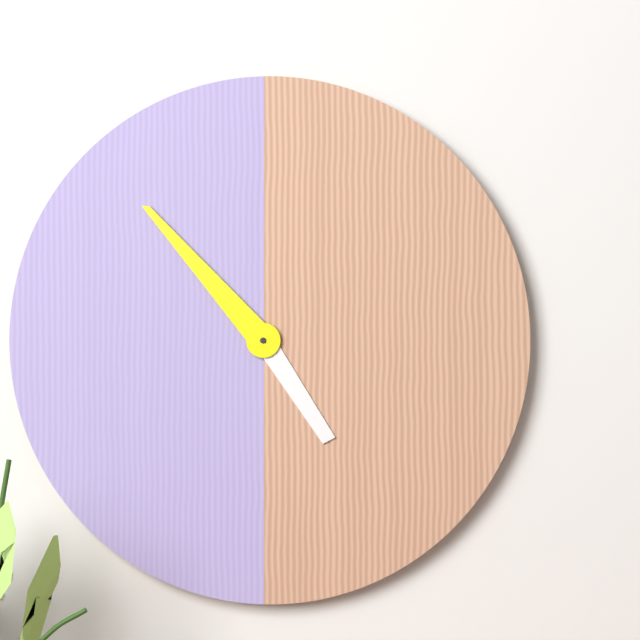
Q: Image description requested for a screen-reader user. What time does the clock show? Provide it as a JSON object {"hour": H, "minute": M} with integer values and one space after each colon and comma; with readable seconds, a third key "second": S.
{"hour": 4, "minute": 53}
